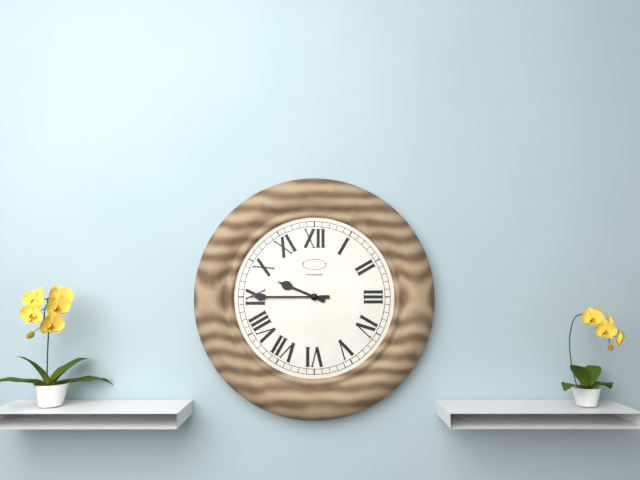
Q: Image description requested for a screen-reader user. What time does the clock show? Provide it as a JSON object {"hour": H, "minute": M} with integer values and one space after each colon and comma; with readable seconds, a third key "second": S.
{"hour": 9, "minute": 45}
